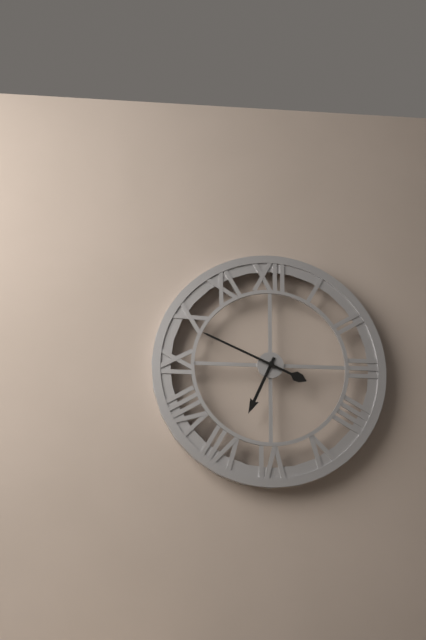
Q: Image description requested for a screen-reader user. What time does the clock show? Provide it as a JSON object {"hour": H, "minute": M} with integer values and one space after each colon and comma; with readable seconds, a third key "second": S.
{"hour": 6, "minute": 49}
